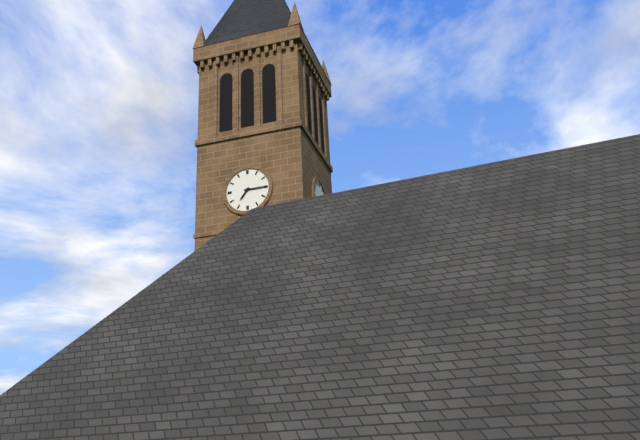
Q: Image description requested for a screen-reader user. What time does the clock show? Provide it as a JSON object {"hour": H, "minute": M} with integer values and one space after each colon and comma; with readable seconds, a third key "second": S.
{"hour": 7, "minute": 15}
